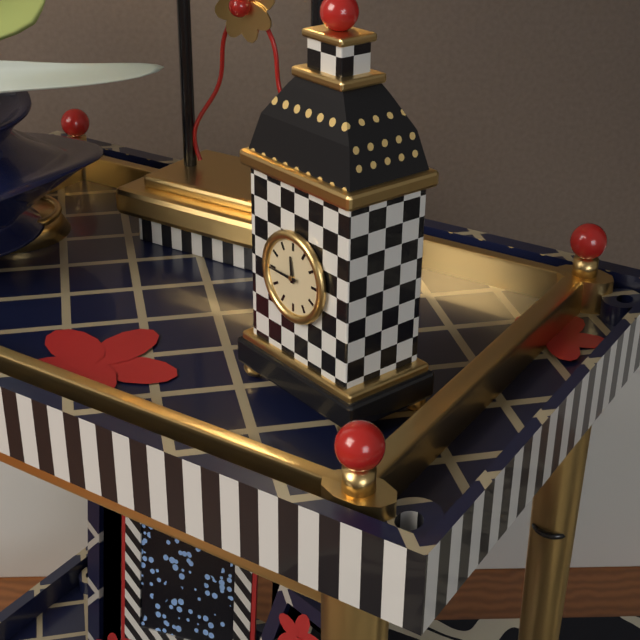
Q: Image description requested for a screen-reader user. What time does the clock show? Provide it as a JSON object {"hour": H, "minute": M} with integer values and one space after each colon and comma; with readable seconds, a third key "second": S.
{"hour": 11, "minute": 45}
